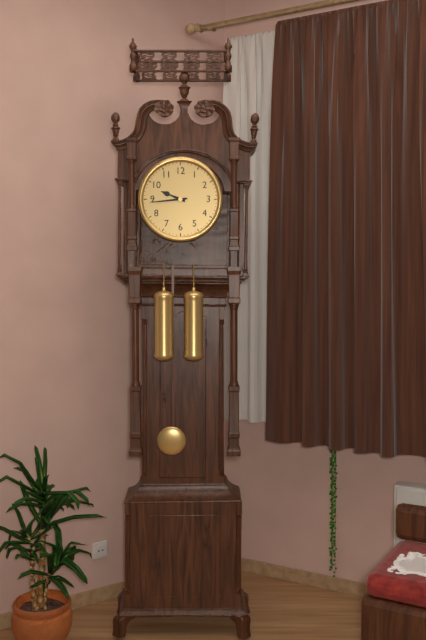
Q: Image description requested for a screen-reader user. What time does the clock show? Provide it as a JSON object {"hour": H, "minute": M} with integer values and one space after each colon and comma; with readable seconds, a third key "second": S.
{"hour": 9, "minute": 44}
